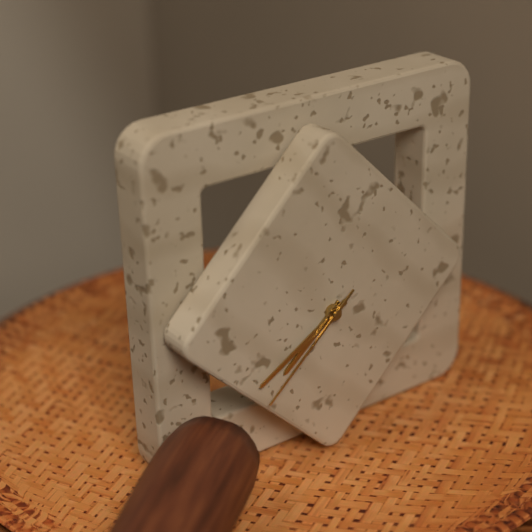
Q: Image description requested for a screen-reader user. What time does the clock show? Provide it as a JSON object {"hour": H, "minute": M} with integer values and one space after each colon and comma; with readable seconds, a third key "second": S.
{"hour": 7, "minute": 40, "second": 38}
